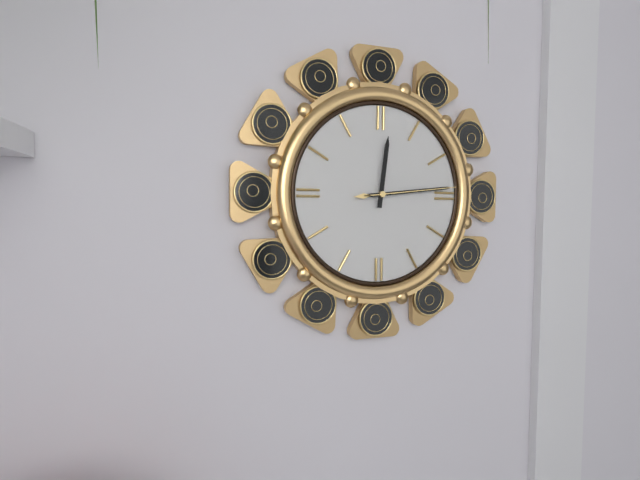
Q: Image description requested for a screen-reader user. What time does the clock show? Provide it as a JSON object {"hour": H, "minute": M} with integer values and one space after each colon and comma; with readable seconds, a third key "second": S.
{"hour": 12, "minute": 14, "second": 14}
